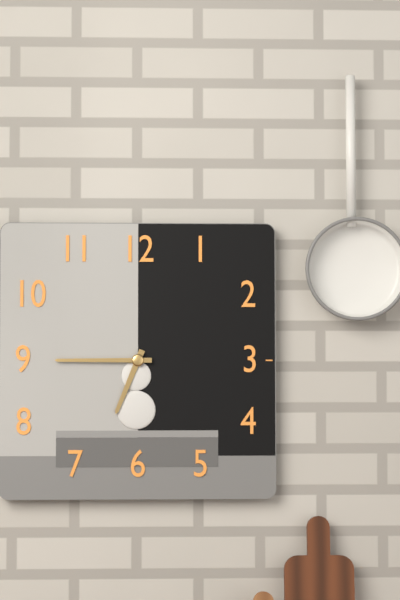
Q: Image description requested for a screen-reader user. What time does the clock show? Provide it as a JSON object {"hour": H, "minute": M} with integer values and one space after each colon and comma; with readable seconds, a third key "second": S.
{"hour": 6, "minute": 45}
